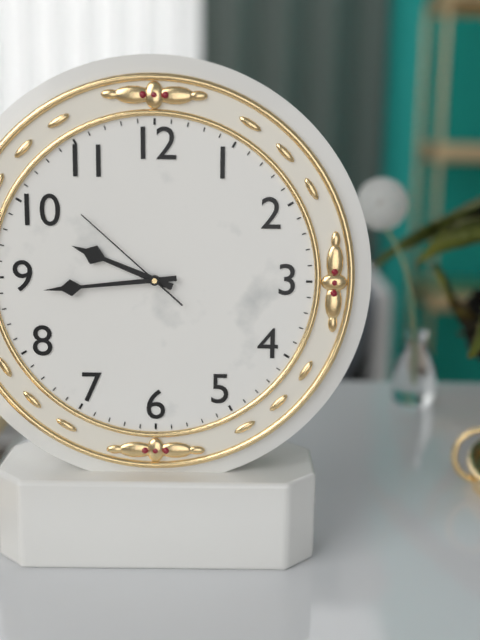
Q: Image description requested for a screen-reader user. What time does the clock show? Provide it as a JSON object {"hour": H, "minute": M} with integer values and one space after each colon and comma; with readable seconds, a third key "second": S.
{"hour": 9, "minute": 44, "second": 52}
